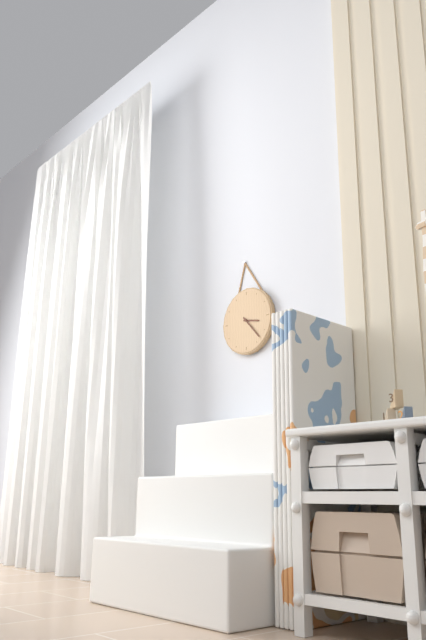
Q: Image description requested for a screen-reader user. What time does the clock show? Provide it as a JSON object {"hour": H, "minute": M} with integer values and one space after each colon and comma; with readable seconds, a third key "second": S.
{"hour": 3, "minute": 23}
